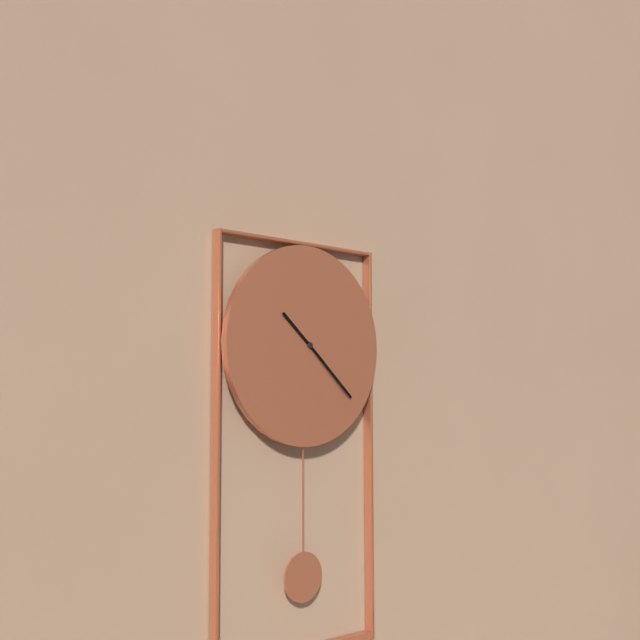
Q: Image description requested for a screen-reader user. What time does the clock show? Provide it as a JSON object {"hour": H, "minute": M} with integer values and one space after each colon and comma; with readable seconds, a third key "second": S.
{"hour": 10, "minute": 22}
